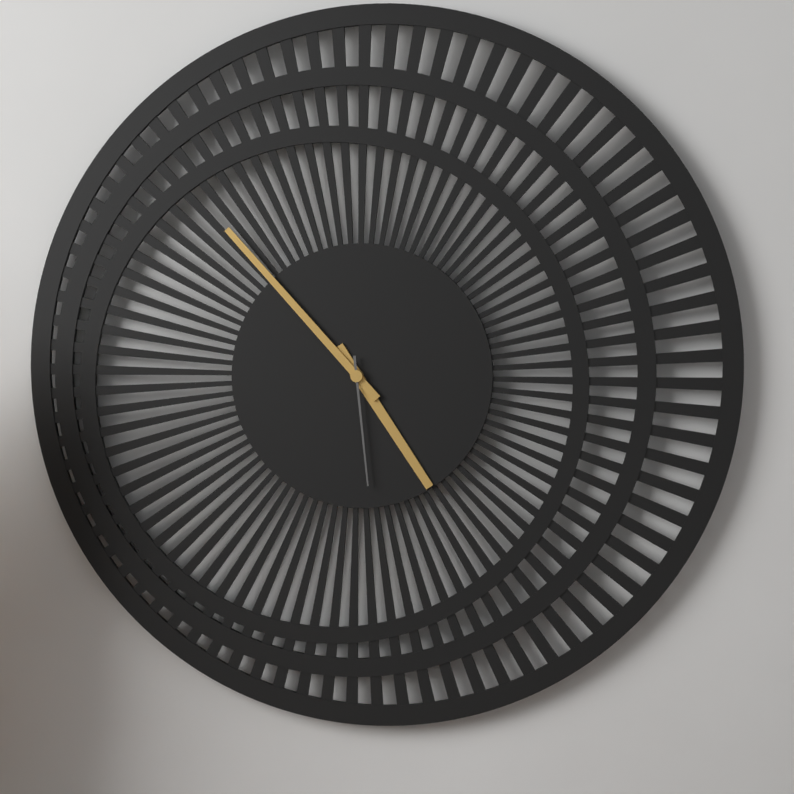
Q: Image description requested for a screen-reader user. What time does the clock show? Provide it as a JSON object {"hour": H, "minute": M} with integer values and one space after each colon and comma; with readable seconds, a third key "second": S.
{"hour": 4, "minute": 53, "second": 29}
